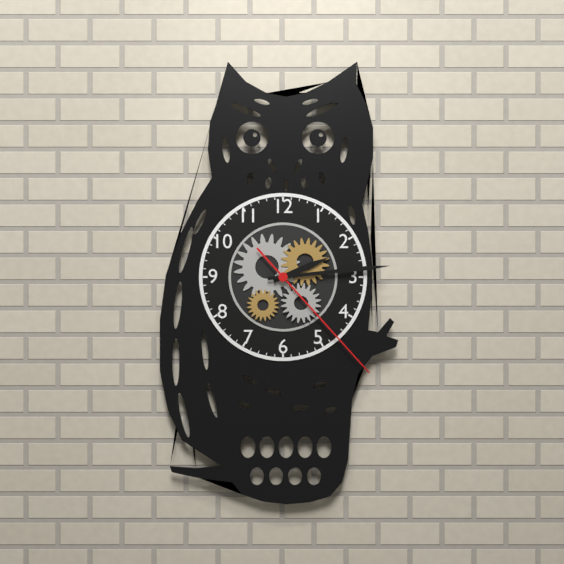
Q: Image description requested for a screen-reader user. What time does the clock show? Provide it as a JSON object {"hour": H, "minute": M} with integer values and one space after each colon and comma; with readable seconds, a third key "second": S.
{"hour": 2, "minute": 14, "second": 23}
